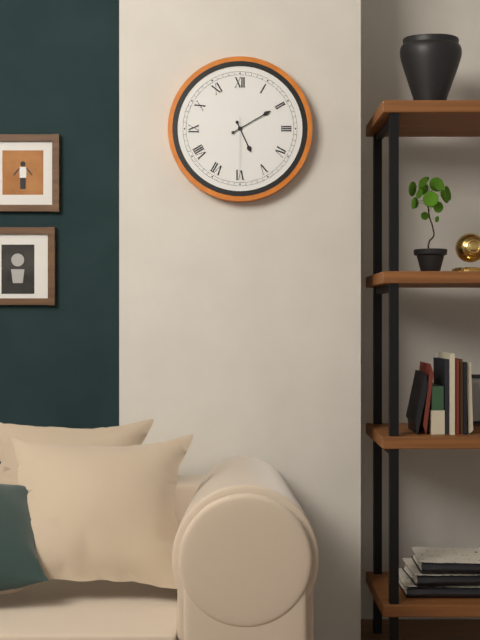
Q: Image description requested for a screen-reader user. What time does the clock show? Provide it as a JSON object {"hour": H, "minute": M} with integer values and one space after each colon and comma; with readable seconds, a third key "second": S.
{"hour": 5, "minute": 10, "second": 30}
